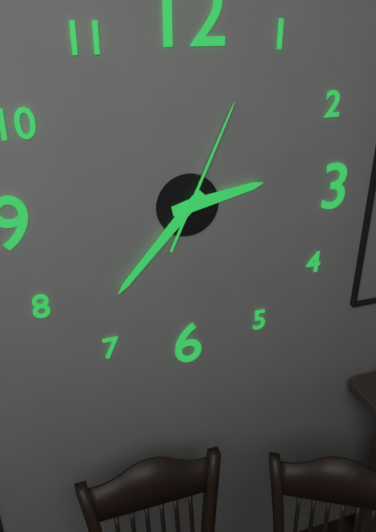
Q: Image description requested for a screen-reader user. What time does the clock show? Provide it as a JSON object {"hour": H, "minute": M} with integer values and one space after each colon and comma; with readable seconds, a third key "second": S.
{"hour": 2, "minute": 37, "second": 4}
